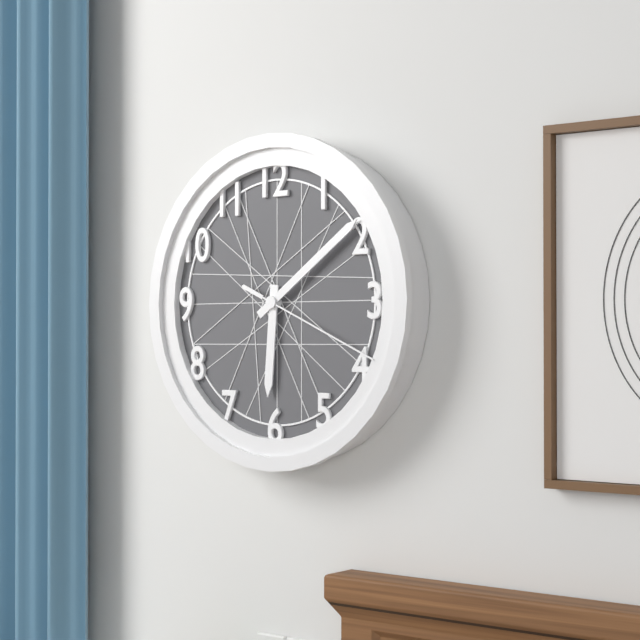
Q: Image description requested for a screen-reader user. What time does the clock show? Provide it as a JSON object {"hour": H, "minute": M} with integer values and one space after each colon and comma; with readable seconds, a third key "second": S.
{"hour": 6, "minute": 9, "second": 19}
